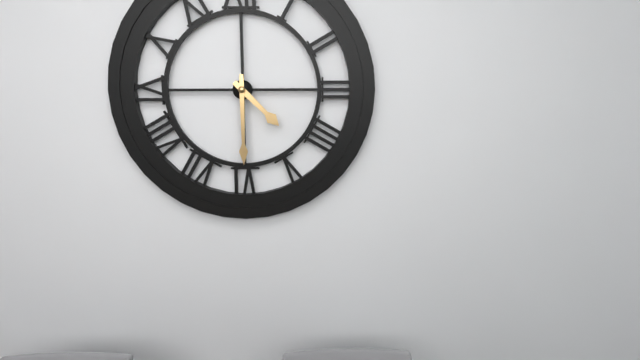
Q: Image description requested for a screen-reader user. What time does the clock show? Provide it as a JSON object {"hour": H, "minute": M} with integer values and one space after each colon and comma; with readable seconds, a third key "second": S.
{"hour": 4, "minute": 30}
